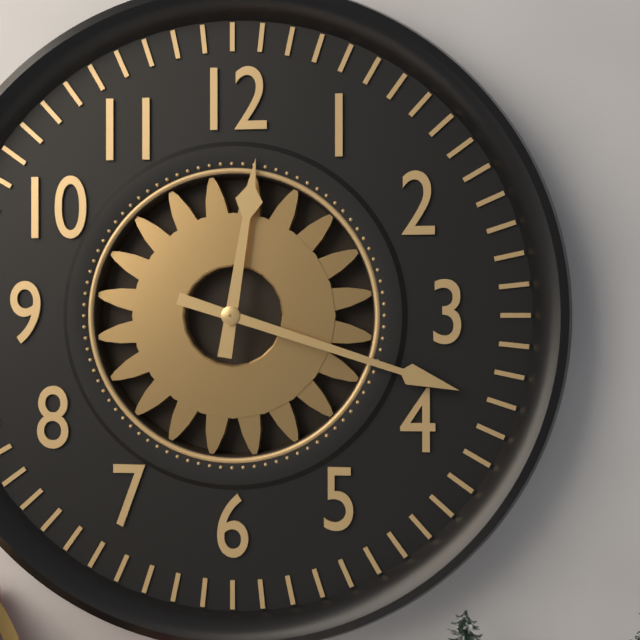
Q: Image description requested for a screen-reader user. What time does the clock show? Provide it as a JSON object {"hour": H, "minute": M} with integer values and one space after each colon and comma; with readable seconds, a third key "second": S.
{"hour": 12, "minute": 18}
